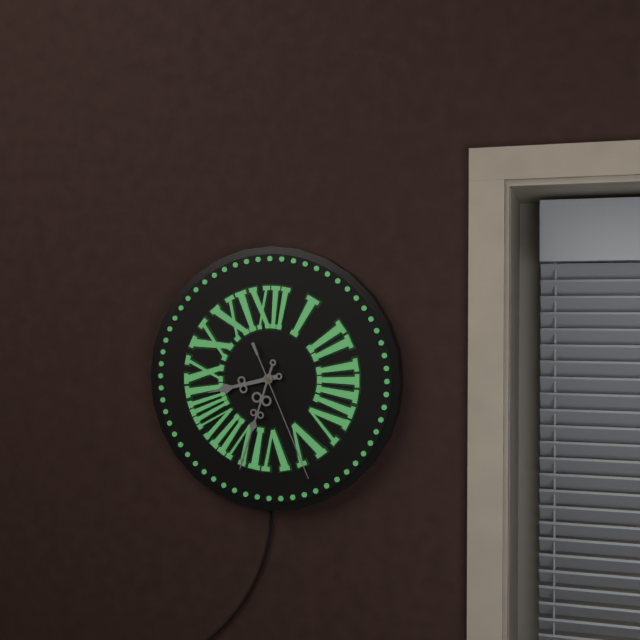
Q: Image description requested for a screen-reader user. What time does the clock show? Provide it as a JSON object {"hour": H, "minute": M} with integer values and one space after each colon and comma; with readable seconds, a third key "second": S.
{"hour": 8, "minute": 33, "second": 26}
